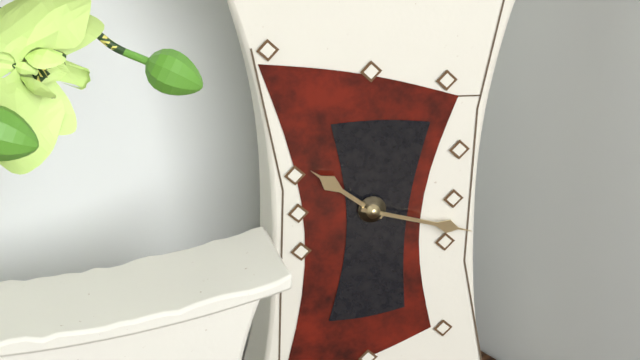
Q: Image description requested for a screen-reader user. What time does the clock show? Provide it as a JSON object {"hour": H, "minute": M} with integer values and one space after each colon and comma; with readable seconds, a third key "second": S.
{"hour": 10, "minute": 18}
